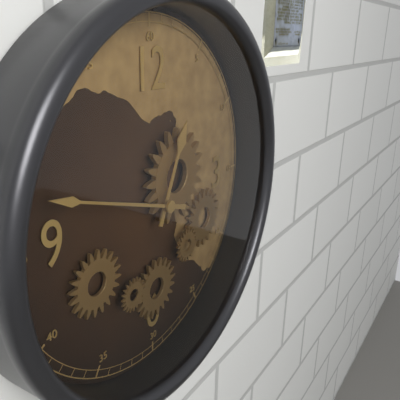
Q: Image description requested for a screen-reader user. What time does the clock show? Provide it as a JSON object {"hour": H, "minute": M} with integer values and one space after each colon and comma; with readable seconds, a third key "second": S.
{"hour": 12, "minute": 48}
